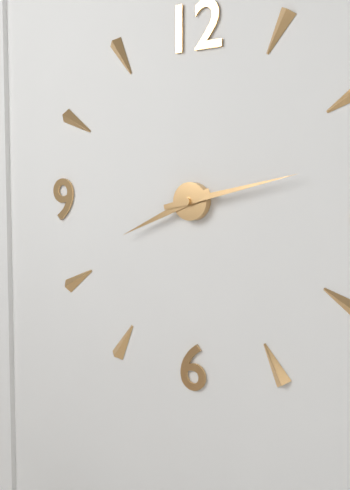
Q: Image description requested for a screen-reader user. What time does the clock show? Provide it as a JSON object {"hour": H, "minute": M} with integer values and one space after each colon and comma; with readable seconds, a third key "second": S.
{"hour": 8, "minute": 13}
